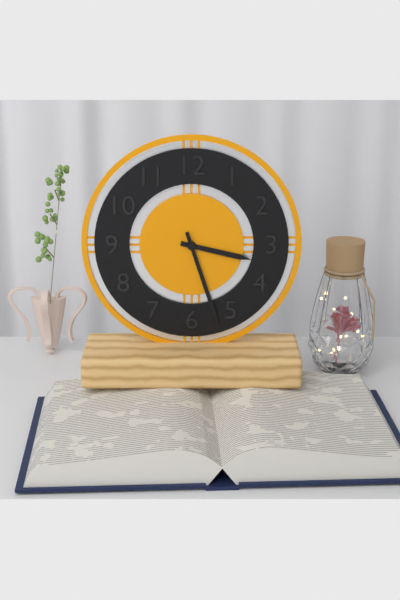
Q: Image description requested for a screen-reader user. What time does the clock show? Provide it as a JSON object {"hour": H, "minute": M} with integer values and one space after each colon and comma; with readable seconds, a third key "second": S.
{"hour": 3, "minute": 27}
